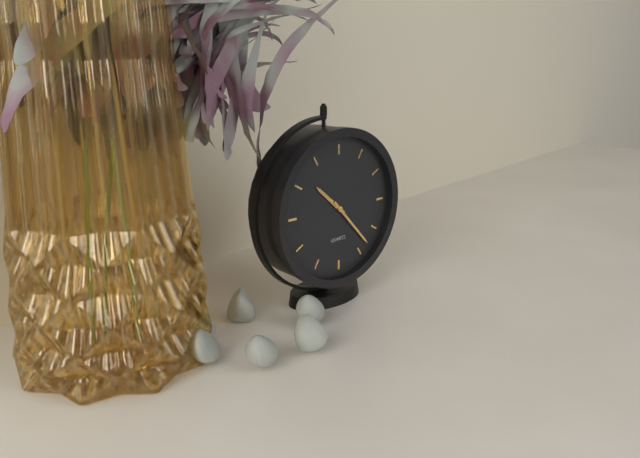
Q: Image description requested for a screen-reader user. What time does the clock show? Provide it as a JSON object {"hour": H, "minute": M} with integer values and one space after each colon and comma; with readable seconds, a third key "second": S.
{"hour": 10, "minute": 23}
